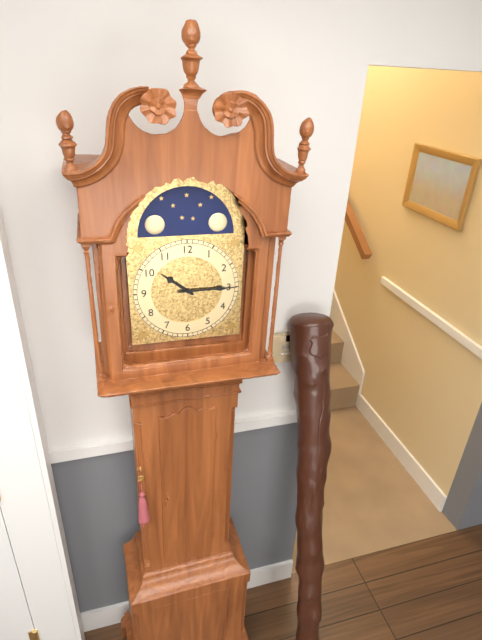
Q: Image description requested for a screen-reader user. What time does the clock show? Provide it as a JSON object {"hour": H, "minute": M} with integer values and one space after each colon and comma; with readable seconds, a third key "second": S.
{"hour": 10, "minute": 15}
